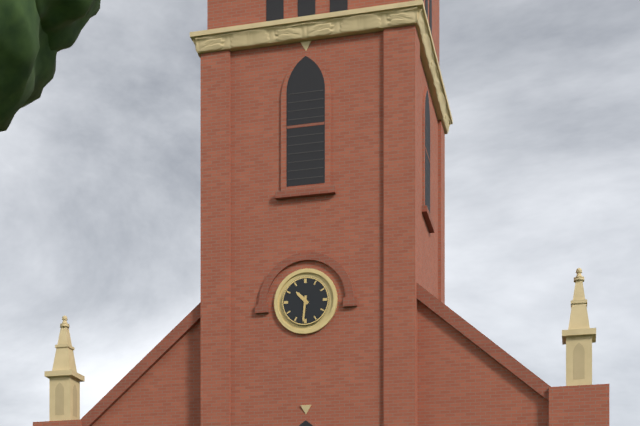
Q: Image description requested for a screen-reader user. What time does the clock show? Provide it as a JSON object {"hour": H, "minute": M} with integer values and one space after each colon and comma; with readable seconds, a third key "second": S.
{"hour": 10, "minute": 31}
